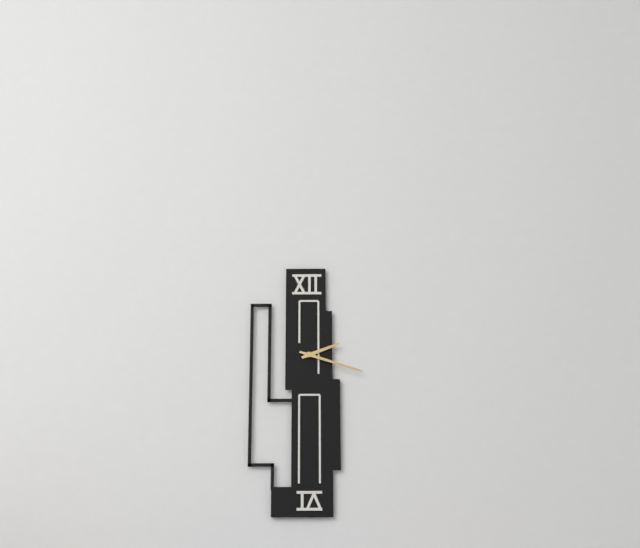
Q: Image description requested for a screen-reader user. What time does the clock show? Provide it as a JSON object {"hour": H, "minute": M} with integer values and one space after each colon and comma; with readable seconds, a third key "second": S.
{"hour": 2, "minute": 18}
